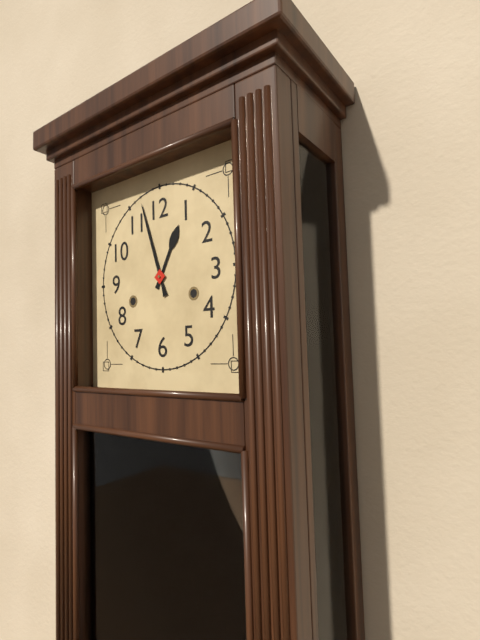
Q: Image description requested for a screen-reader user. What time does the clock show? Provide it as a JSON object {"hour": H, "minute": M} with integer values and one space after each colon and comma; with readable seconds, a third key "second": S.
{"hour": 12, "minute": 57}
